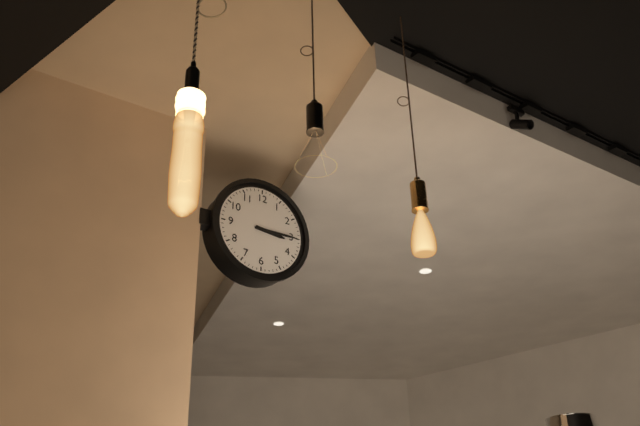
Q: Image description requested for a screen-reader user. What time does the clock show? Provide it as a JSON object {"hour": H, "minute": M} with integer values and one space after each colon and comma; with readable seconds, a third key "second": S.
{"hour": 3, "minute": 15}
